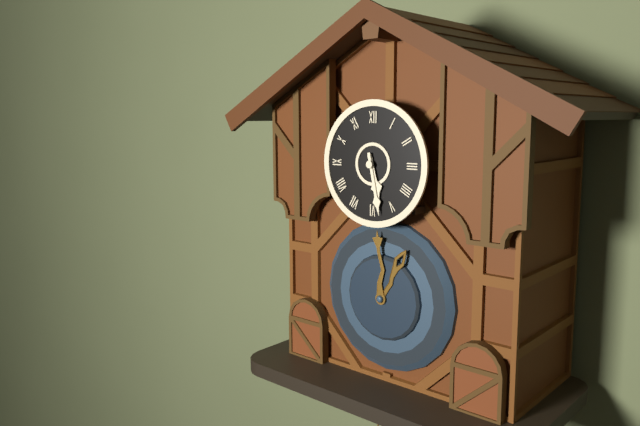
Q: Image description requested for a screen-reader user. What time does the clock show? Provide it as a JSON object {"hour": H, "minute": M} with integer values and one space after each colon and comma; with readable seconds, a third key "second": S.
{"hour": 5, "minute": 28}
